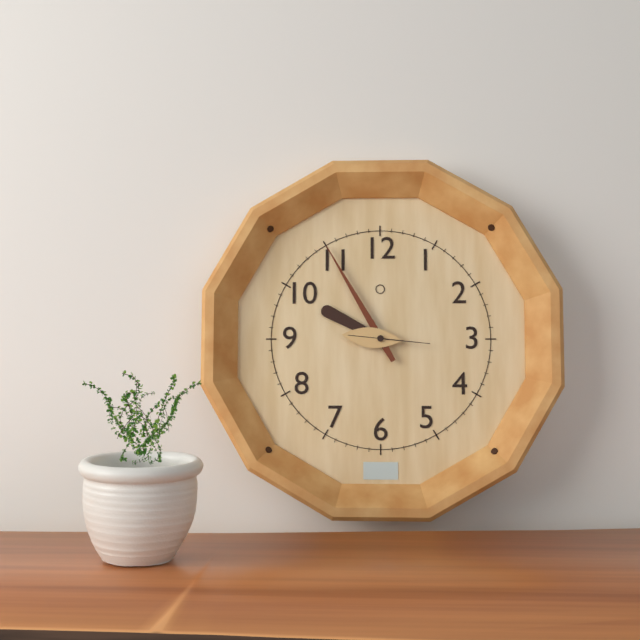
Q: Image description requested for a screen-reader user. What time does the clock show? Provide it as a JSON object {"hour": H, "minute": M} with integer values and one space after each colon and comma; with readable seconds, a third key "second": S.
{"hour": 9, "minute": 55, "second": 16}
